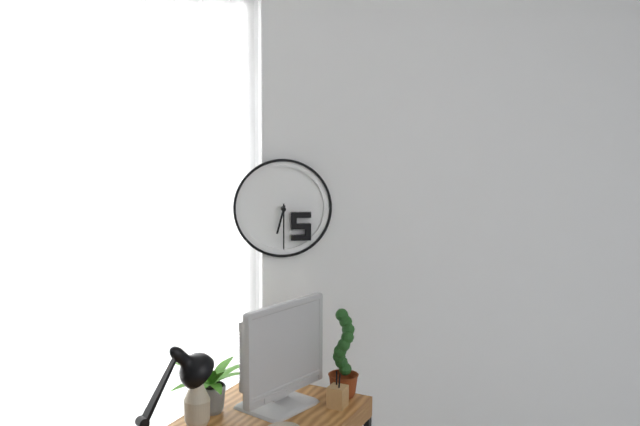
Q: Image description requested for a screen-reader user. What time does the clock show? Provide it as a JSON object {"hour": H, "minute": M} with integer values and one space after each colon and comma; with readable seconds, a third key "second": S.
{"hour": 6, "minute": 30}
